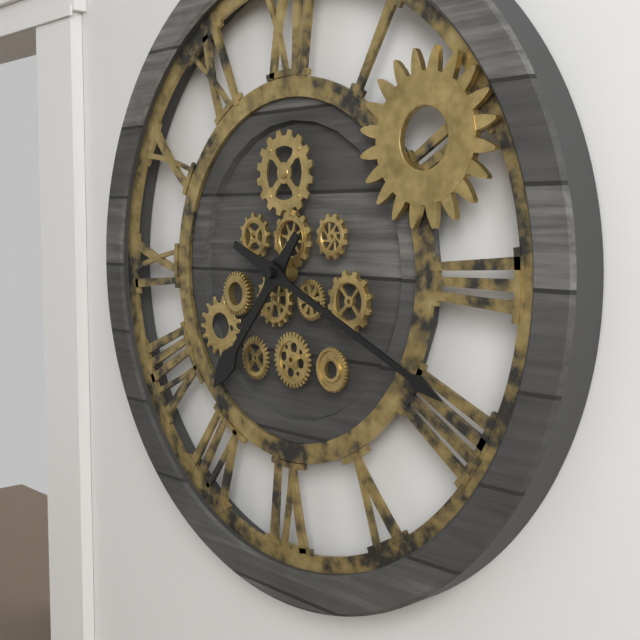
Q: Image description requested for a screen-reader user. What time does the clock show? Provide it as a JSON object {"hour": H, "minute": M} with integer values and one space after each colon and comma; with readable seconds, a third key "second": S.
{"hour": 7, "minute": 19}
